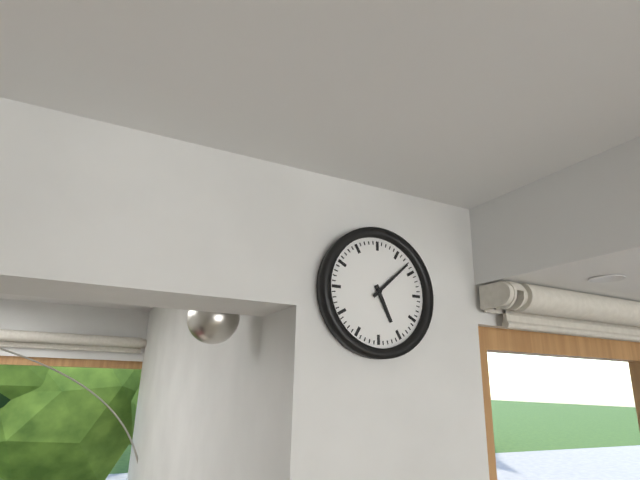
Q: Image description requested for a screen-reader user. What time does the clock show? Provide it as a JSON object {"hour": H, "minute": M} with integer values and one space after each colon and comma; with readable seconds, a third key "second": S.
{"hour": 5, "minute": 8}
